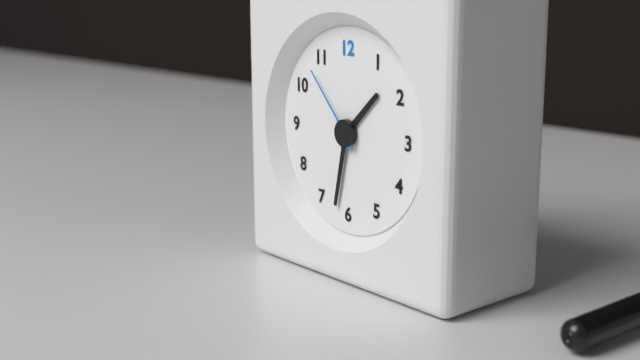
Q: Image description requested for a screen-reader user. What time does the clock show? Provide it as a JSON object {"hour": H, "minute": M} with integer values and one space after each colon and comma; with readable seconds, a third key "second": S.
{"hour": 1, "minute": 32, "second": 53}
